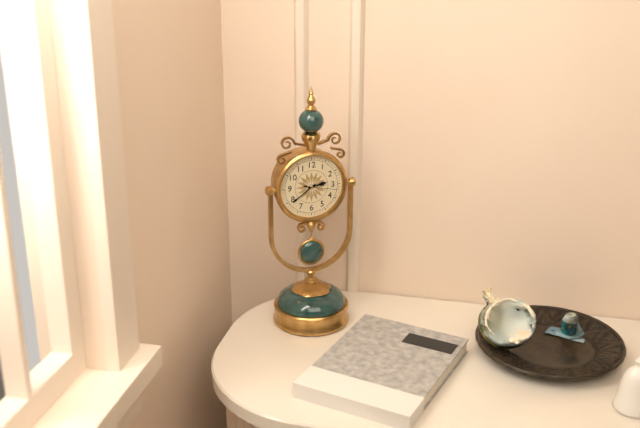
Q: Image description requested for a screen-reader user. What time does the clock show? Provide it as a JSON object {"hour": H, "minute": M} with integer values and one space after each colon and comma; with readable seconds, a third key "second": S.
{"hour": 2, "minute": 39}
